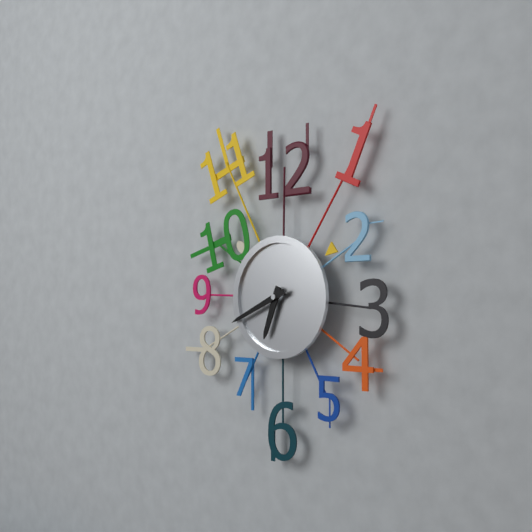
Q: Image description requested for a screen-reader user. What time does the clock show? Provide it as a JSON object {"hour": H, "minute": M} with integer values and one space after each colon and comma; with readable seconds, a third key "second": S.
{"hour": 6, "minute": 41}
